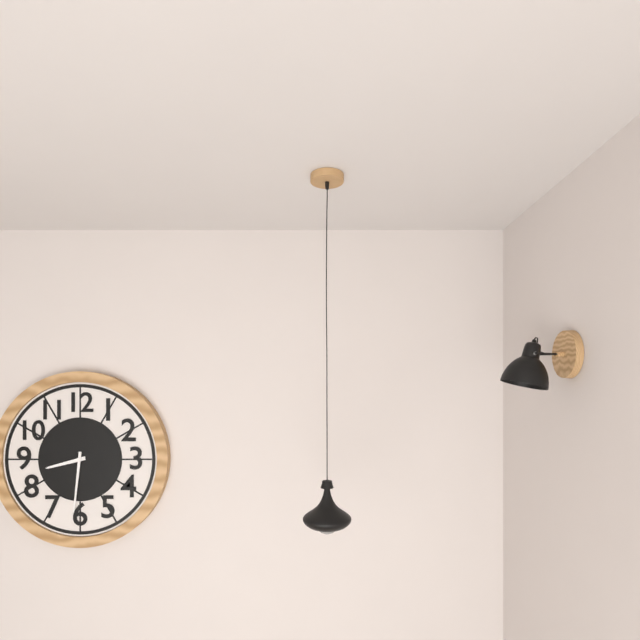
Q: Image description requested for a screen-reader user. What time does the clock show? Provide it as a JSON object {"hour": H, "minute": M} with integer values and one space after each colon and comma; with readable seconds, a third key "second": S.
{"hour": 8, "minute": 31}
